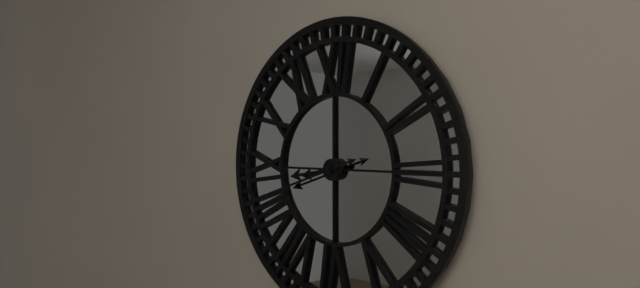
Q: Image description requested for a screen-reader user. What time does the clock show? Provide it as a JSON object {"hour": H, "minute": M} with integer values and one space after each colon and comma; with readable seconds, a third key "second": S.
{"hour": 8, "minute": 42}
